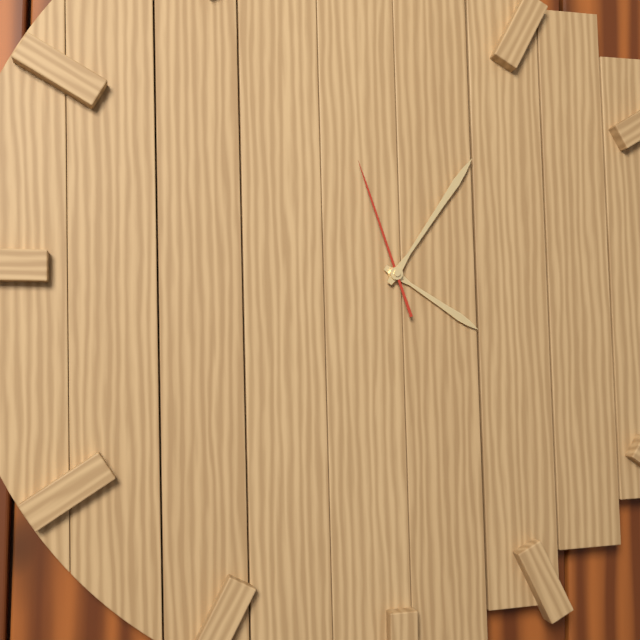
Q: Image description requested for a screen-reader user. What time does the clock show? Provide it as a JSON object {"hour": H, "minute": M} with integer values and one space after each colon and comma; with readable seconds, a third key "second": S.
{"hour": 4, "minute": 6, "second": 57}
